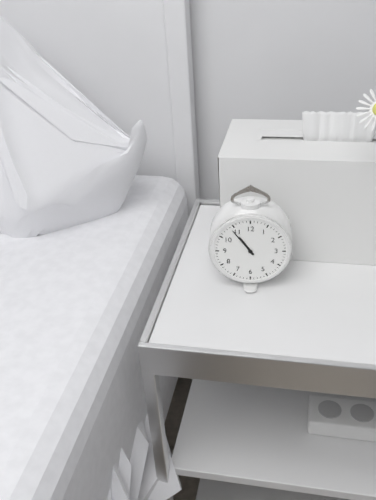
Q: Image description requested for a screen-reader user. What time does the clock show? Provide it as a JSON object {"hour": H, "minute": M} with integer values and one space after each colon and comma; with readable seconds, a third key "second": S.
{"hour": 10, "minute": 54}
